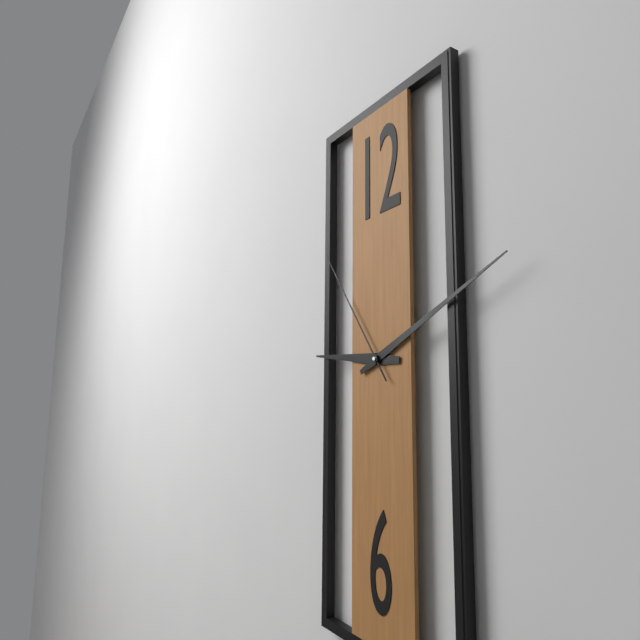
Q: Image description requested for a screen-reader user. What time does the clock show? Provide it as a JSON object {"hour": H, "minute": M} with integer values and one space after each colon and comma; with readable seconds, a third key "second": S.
{"hour": 9, "minute": 11, "second": 54}
